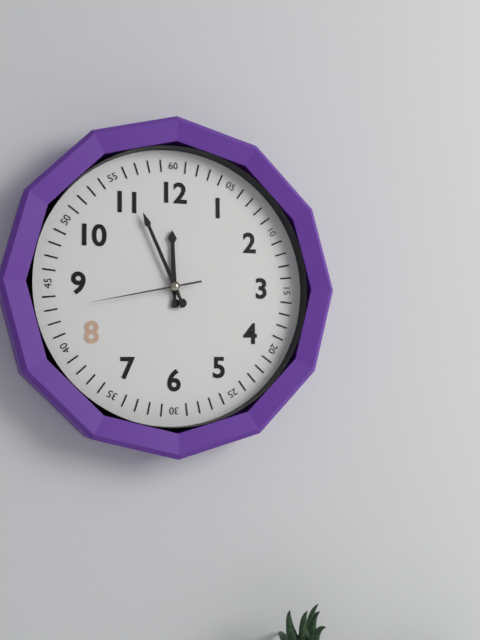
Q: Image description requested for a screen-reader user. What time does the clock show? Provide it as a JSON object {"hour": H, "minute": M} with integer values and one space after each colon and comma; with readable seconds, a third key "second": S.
{"hour": 11, "minute": 56, "second": 43}
